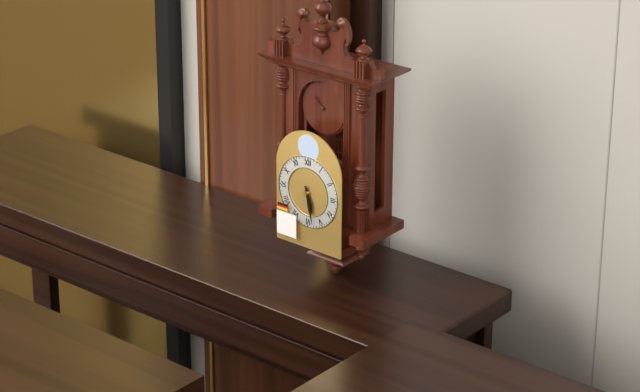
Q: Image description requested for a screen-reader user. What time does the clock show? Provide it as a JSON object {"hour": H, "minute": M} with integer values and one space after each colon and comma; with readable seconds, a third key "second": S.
{"hour": 5, "minute": 28}
